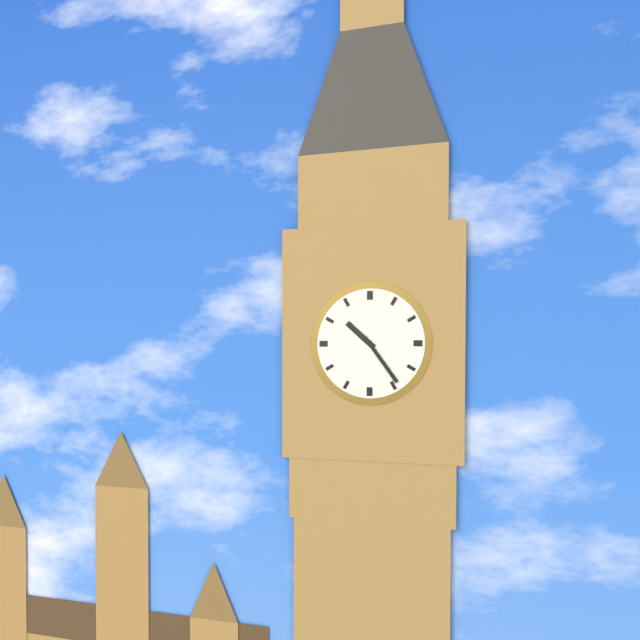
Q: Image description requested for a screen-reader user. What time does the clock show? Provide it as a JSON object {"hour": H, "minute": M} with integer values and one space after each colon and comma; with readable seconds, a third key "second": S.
{"hour": 10, "minute": 24}
